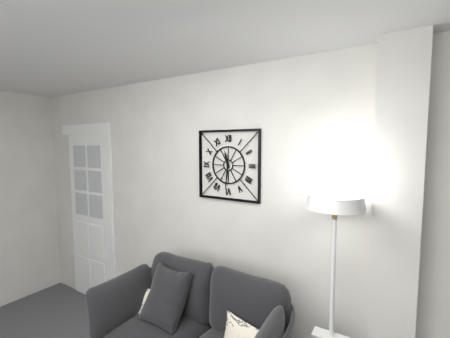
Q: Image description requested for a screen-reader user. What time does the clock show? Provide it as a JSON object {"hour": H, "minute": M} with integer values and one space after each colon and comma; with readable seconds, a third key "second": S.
{"hour": 11, "minute": 31}
